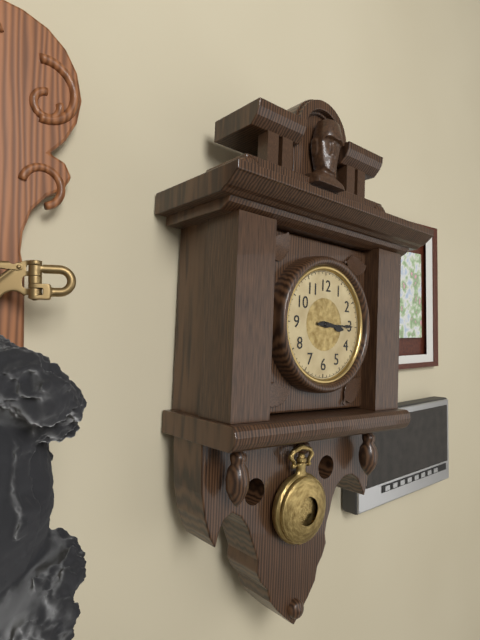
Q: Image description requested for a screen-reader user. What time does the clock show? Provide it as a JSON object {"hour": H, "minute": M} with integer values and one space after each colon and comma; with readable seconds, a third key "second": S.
{"hour": 3, "minute": 15}
